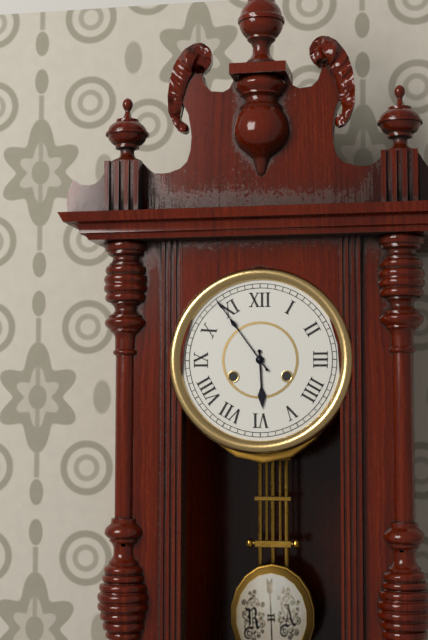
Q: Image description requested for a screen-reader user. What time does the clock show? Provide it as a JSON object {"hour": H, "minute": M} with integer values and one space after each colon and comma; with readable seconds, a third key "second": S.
{"hour": 5, "minute": 54}
